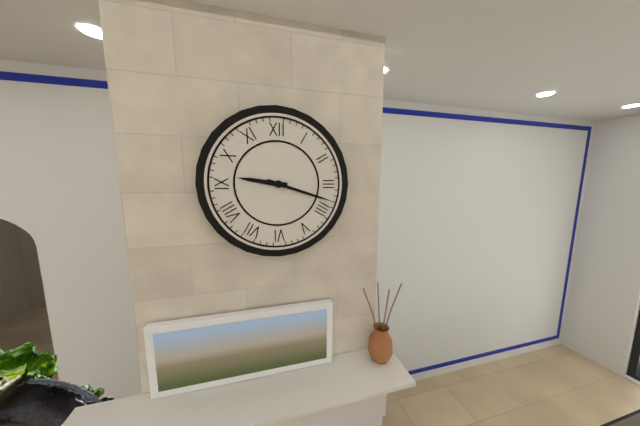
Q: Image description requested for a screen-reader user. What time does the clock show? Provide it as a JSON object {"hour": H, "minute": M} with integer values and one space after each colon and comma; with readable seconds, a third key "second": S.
{"hour": 9, "minute": 18}
